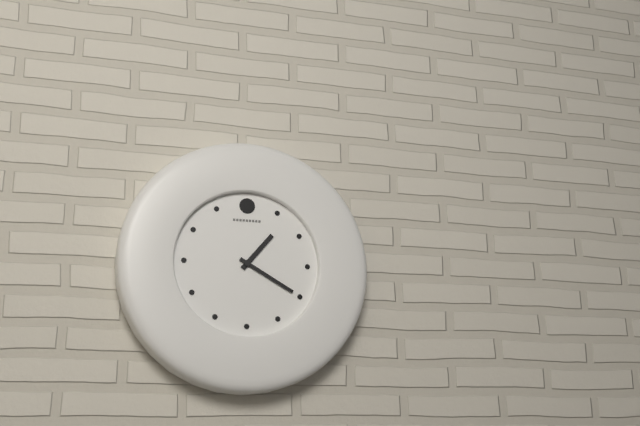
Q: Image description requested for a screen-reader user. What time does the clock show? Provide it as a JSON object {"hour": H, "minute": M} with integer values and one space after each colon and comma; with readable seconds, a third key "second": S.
{"hour": 1, "minute": 20}
